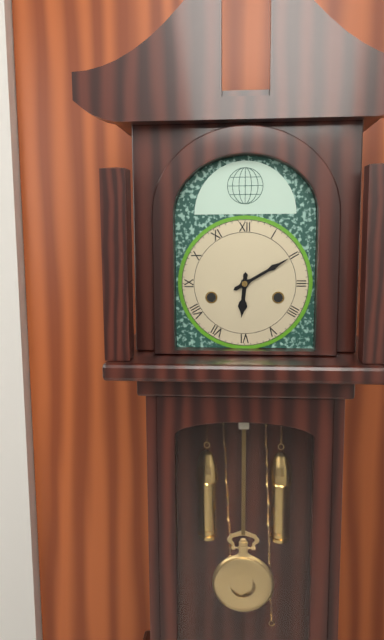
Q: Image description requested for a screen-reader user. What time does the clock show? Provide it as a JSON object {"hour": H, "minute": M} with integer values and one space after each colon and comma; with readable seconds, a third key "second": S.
{"hour": 6, "minute": 10}
